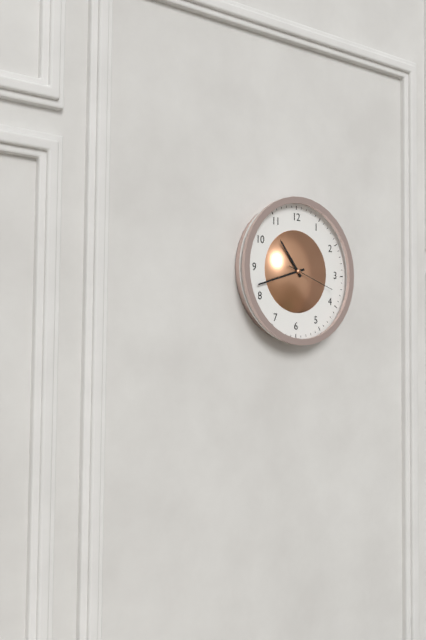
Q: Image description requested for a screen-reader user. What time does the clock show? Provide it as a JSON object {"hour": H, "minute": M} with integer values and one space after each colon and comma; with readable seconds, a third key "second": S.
{"hour": 10, "minute": 42, "second": 18}
